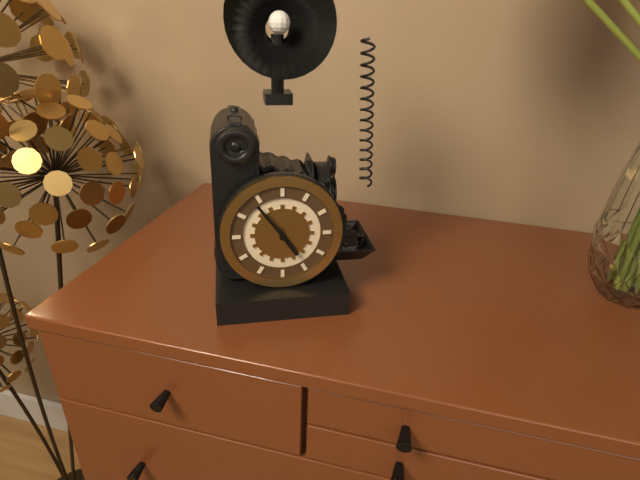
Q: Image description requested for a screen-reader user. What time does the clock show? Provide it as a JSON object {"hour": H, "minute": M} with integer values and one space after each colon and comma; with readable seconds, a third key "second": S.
{"hour": 4, "minute": 54}
